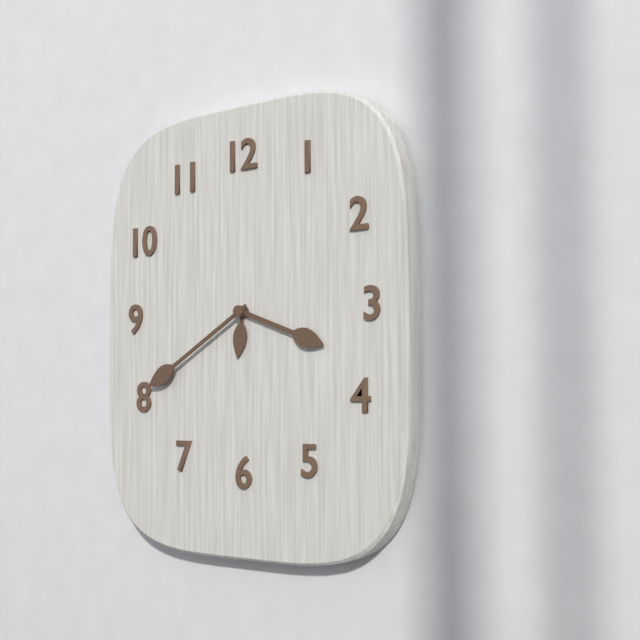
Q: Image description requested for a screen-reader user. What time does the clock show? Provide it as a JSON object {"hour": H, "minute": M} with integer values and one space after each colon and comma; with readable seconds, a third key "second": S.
{"hour": 3, "minute": 40}
